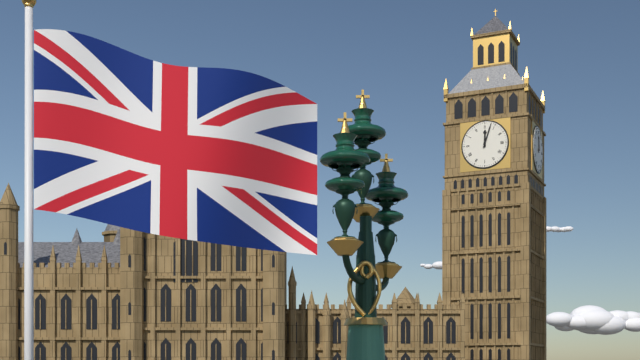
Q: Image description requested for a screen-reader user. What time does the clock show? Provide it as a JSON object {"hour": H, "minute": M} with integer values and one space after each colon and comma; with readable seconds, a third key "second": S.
{"hour": 12, "minute": 3}
